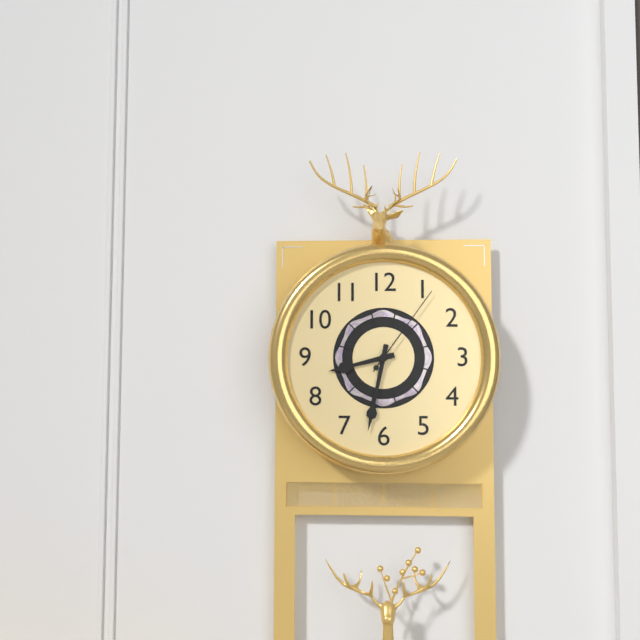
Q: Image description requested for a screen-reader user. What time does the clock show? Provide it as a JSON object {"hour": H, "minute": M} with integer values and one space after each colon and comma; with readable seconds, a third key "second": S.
{"hour": 8, "minute": 32, "second": 6}
